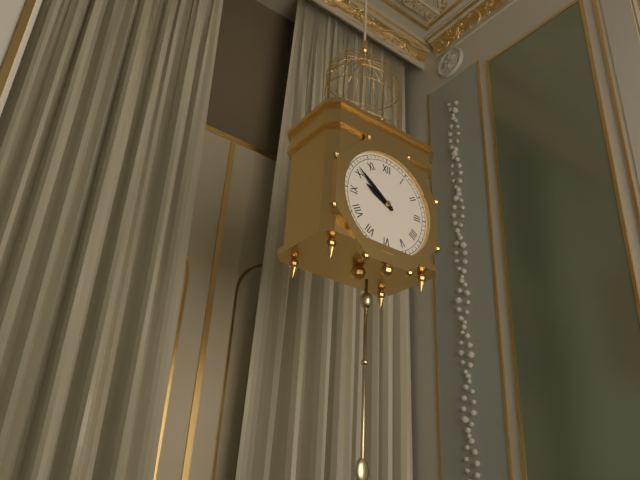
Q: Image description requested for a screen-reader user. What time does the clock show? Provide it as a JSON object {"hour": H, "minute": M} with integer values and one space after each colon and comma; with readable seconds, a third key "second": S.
{"hour": 9, "minute": 51}
